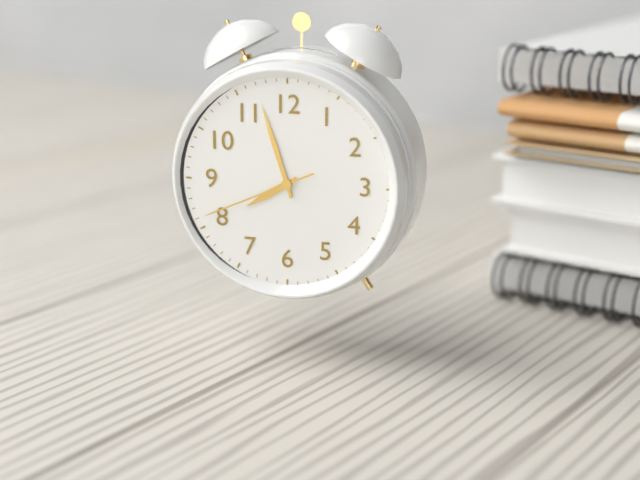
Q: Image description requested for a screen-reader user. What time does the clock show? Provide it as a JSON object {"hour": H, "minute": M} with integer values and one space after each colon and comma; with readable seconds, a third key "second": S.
{"hour": 7, "minute": 57, "second": 41}
